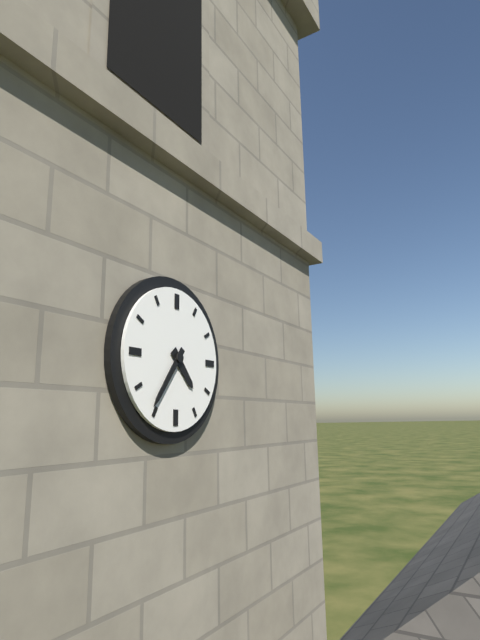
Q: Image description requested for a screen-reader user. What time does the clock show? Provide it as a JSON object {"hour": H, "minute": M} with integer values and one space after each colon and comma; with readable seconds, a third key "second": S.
{"hour": 4, "minute": 36}
